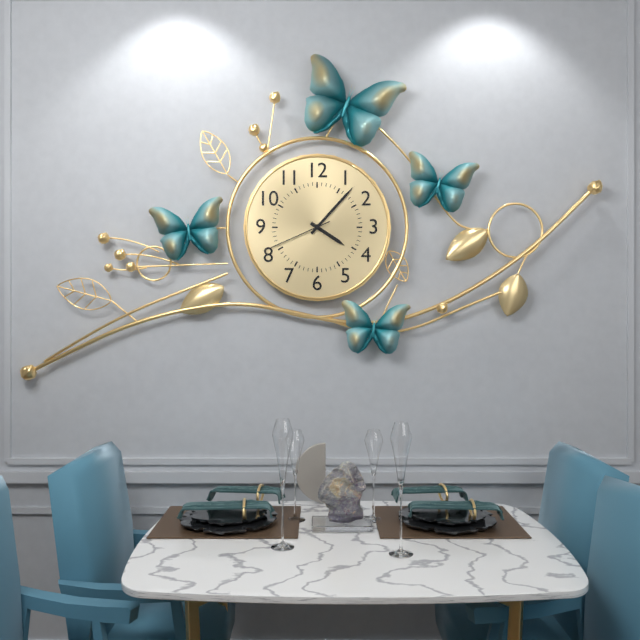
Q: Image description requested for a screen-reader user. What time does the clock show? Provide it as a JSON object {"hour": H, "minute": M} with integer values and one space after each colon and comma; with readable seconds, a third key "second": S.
{"hour": 4, "minute": 7, "second": 41}
